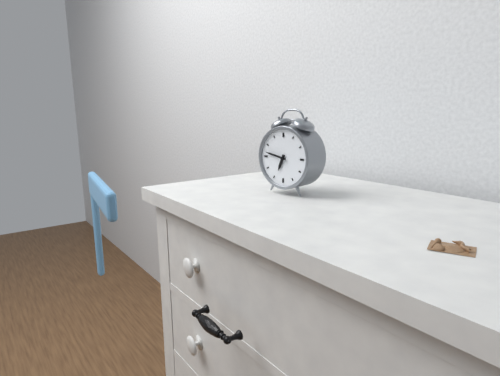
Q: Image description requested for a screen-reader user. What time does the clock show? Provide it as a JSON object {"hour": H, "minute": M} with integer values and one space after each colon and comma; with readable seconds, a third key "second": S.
{"hour": 6, "minute": 47}
